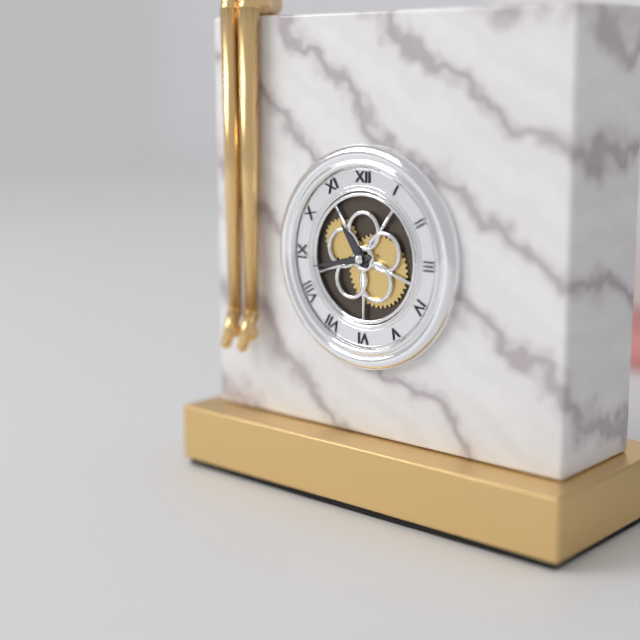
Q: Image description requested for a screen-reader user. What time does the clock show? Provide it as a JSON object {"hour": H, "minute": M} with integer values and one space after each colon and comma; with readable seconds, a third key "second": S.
{"hour": 10, "minute": 43}
